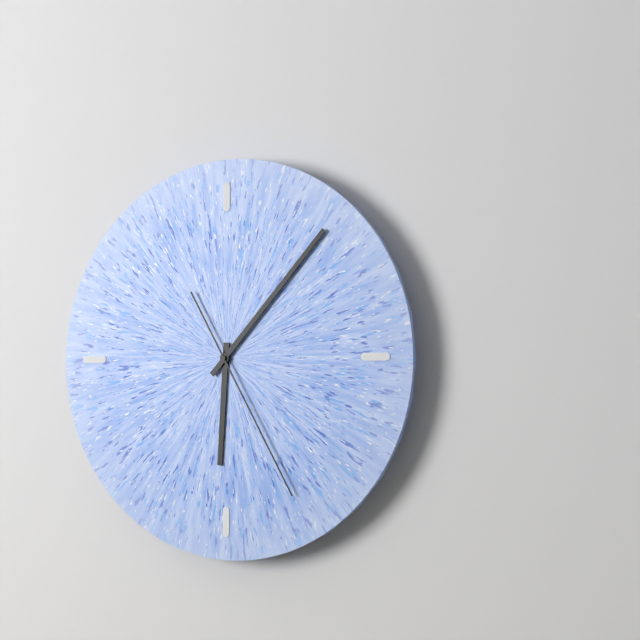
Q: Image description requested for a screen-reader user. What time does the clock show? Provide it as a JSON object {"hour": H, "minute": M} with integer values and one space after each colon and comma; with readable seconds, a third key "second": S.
{"hour": 6, "minute": 7, "second": 25}
